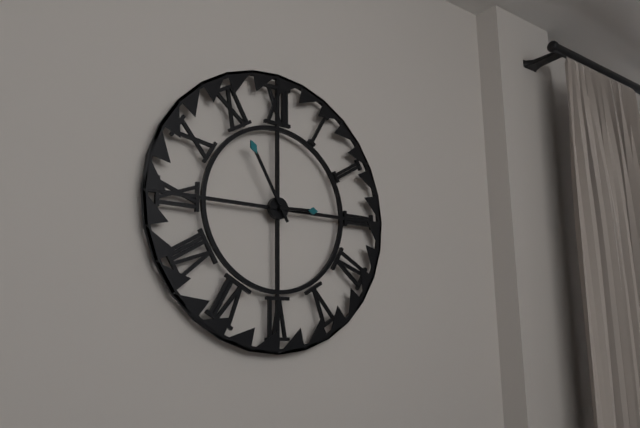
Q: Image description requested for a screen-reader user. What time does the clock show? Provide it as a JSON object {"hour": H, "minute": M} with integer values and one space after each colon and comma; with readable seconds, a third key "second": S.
{"hour": 2, "minute": 55}
